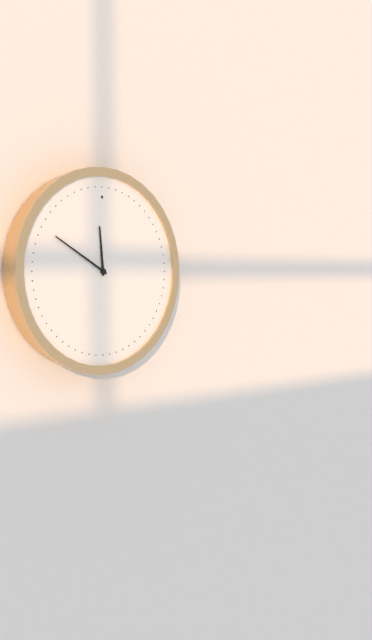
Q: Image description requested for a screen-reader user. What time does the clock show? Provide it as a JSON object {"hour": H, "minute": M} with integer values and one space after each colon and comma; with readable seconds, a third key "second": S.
{"hour": 11, "minute": 50}
